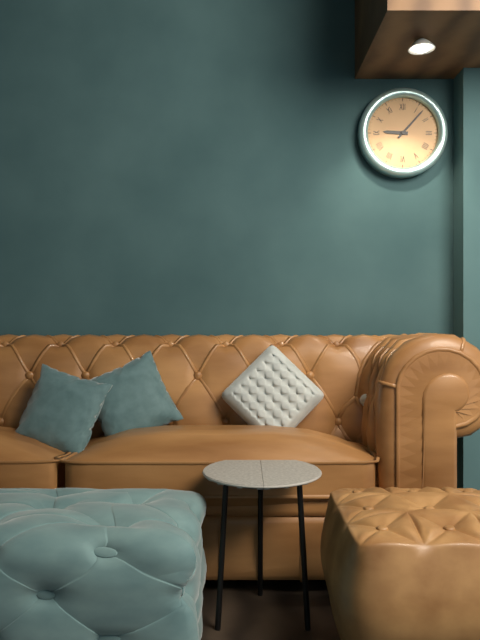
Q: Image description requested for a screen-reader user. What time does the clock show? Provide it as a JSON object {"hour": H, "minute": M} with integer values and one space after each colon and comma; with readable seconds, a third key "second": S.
{"hour": 9, "minute": 7}
